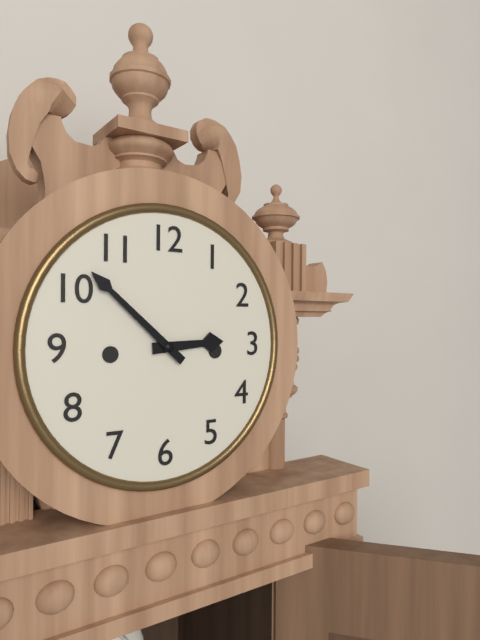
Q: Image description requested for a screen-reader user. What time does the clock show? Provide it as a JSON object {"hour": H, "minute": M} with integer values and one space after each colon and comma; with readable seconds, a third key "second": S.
{"hour": 2, "minute": 52}
